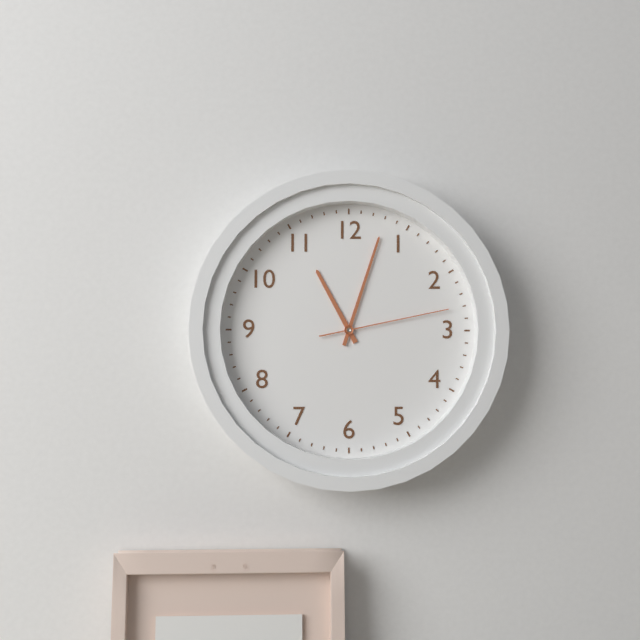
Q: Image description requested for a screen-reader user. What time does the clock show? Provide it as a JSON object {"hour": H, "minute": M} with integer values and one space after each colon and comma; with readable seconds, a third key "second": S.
{"hour": 11, "minute": 3, "second": 13}
